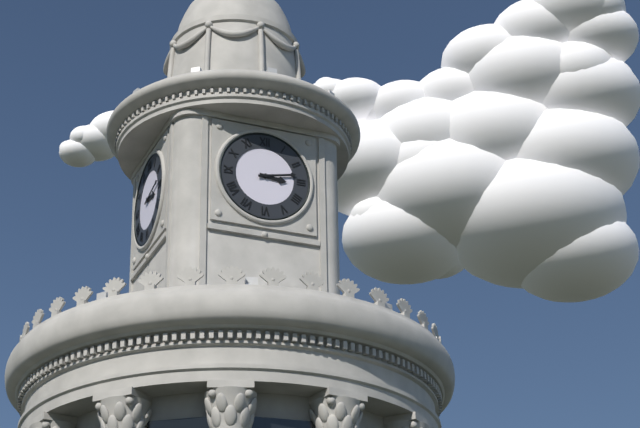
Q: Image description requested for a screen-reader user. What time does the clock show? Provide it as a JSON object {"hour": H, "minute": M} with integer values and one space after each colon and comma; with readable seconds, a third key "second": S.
{"hour": 3, "minute": 13}
